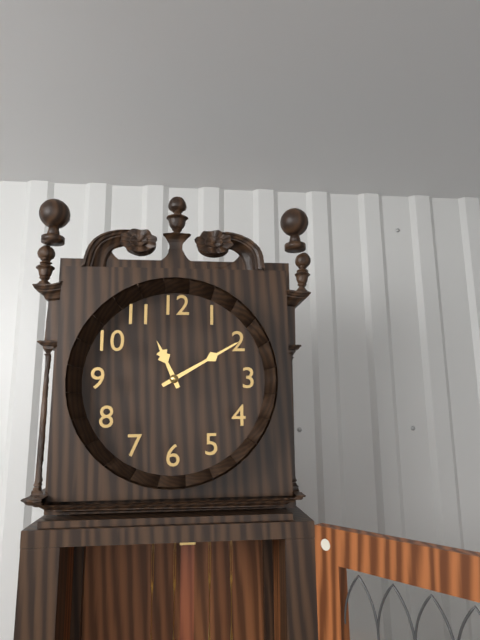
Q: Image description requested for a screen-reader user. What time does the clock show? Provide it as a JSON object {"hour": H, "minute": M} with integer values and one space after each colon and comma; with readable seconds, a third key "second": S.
{"hour": 11, "minute": 10}
